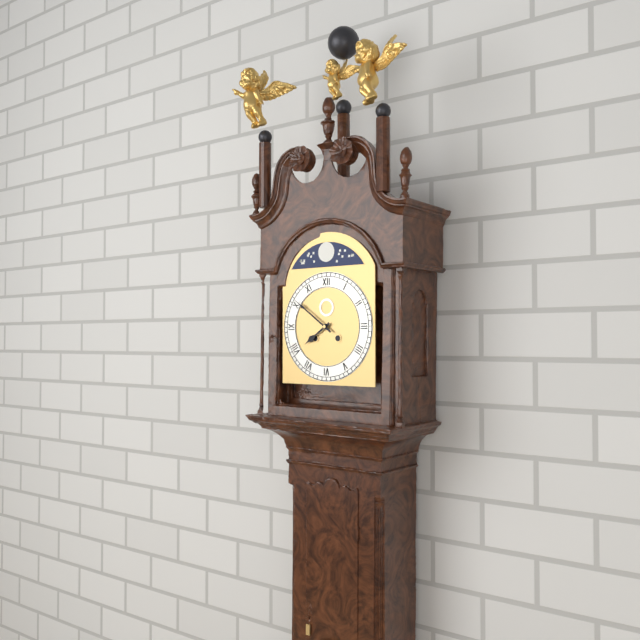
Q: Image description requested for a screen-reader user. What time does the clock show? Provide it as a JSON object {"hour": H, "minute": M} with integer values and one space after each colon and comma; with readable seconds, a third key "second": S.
{"hour": 7, "minute": 51}
